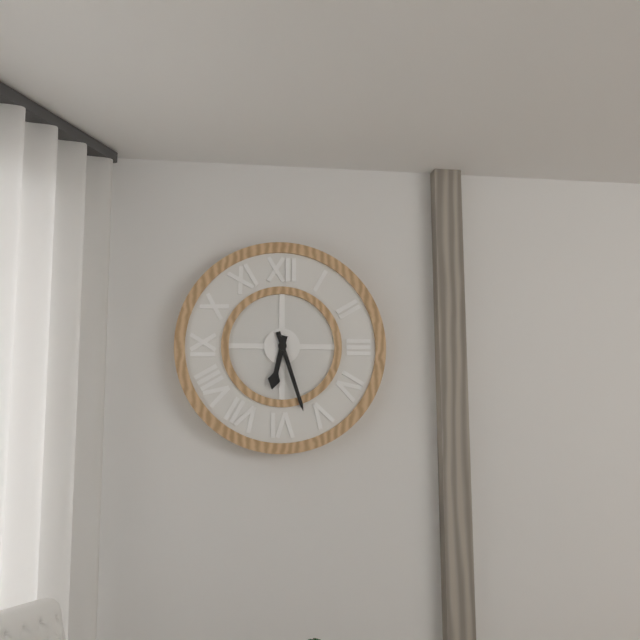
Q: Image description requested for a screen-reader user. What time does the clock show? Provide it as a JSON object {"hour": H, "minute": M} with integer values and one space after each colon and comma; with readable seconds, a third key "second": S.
{"hour": 6, "minute": 27}
